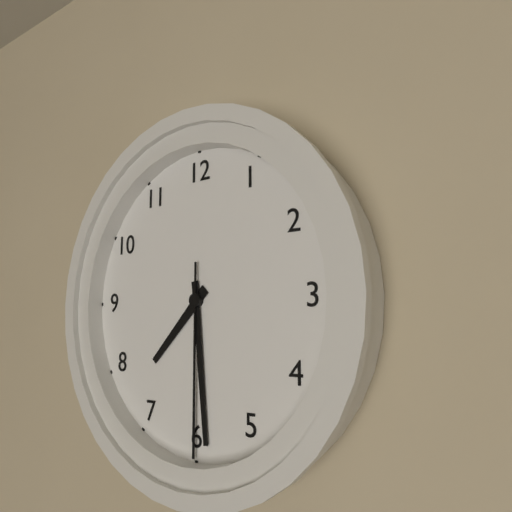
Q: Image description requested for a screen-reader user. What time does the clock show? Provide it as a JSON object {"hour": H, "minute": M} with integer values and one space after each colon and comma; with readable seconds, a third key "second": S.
{"hour": 7, "minute": 29, "second": 30}
